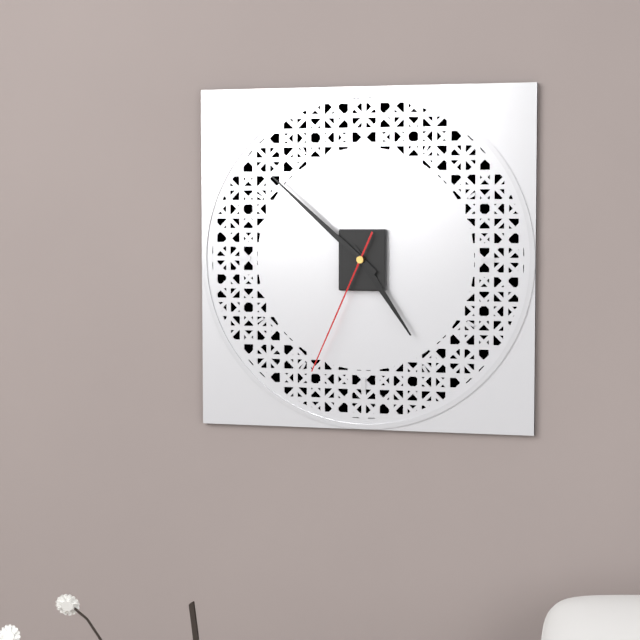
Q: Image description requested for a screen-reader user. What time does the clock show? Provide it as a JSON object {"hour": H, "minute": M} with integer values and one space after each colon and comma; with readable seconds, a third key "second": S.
{"hour": 4, "minute": 52, "second": 34}
